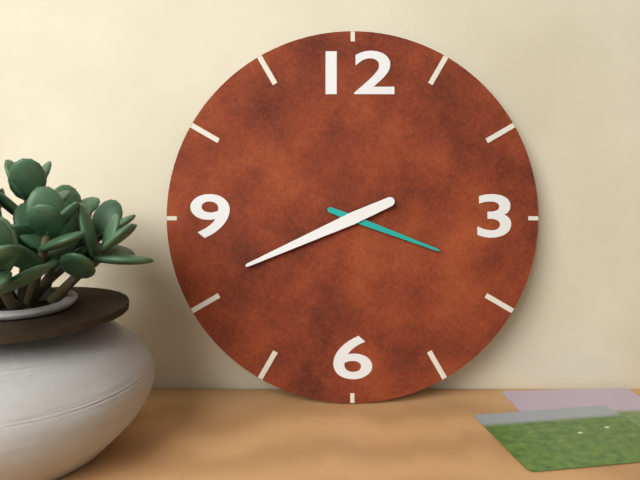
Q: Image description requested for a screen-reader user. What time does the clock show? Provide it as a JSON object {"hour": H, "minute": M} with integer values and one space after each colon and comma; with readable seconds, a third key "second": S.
{"hour": 3, "minute": 41}
